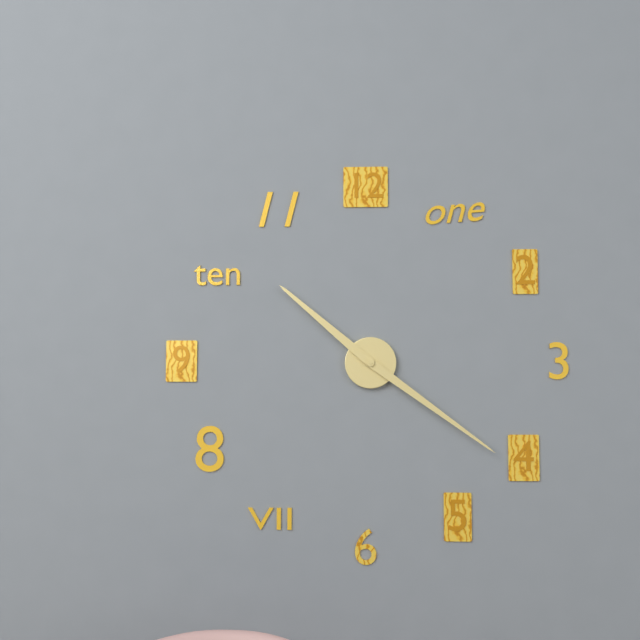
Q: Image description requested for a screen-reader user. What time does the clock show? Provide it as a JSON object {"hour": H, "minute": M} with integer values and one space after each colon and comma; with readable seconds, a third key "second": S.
{"hour": 10, "minute": 21}
